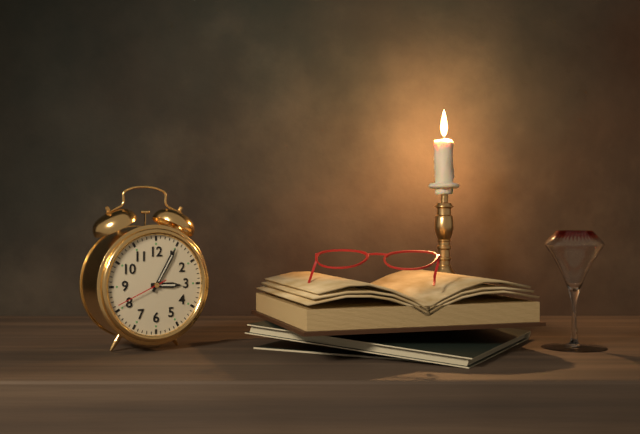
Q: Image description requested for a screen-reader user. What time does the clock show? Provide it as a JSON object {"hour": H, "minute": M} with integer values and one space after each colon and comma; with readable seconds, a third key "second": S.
{"hour": 3, "minute": 5, "second": 41}
